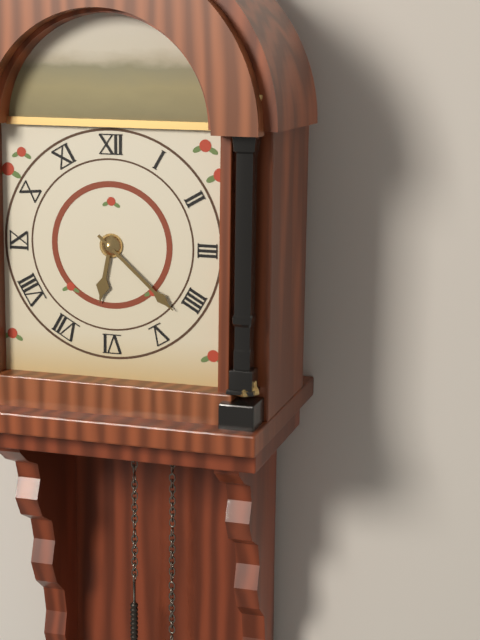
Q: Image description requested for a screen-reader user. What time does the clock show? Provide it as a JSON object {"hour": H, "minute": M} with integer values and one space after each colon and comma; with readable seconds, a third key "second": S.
{"hour": 6, "minute": 22}
